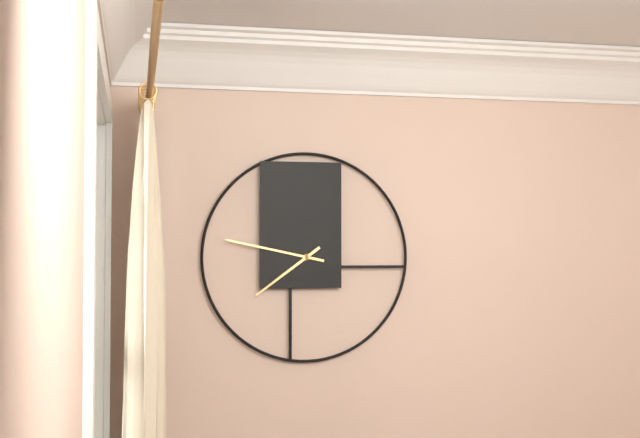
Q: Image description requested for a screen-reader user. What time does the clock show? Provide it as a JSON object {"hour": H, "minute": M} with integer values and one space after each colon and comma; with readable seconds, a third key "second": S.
{"hour": 7, "minute": 47}
